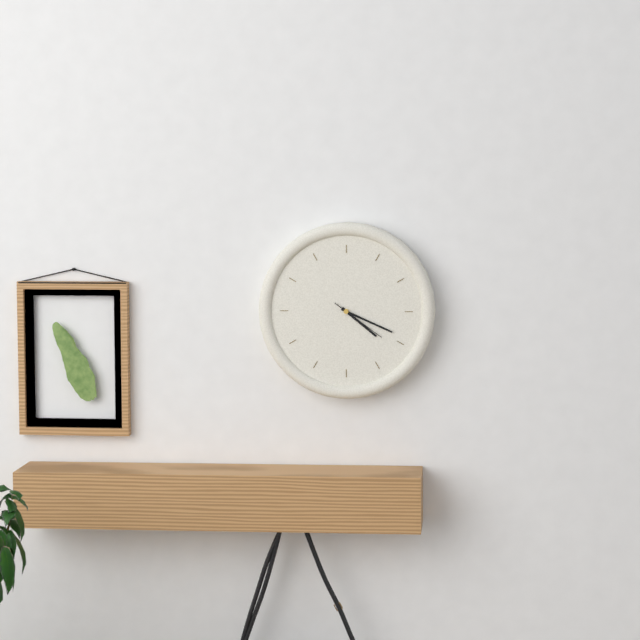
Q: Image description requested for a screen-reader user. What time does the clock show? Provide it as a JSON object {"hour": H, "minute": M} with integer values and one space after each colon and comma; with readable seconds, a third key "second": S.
{"hour": 4, "minute": 19, "second": 21}
